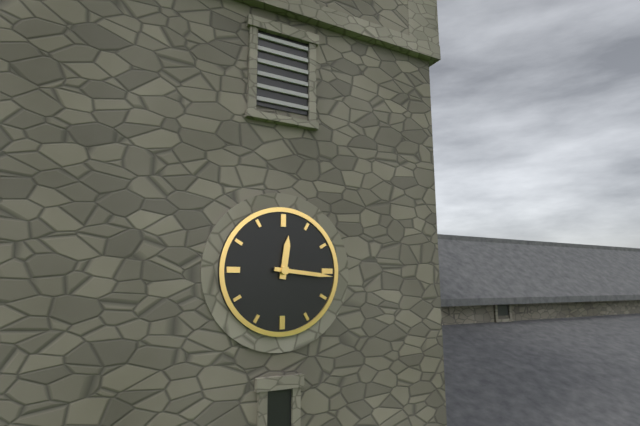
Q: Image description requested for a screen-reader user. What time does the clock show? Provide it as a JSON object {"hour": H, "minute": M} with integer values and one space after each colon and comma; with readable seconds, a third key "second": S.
{"hour": 12, "minute": 16}
